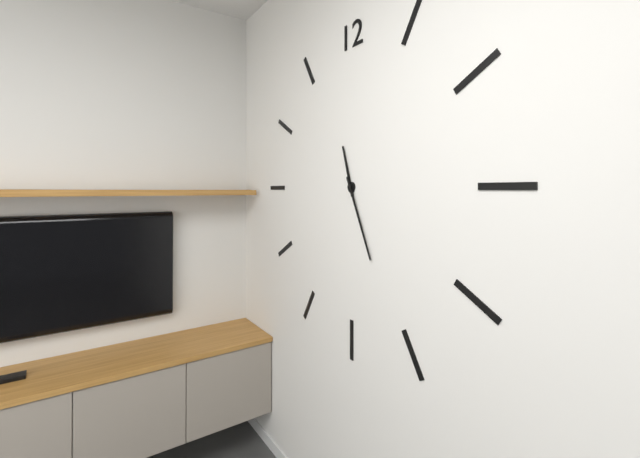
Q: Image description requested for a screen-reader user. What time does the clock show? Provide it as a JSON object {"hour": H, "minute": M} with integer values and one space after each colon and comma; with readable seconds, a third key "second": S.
{"hour": 11, "minute": 26}
